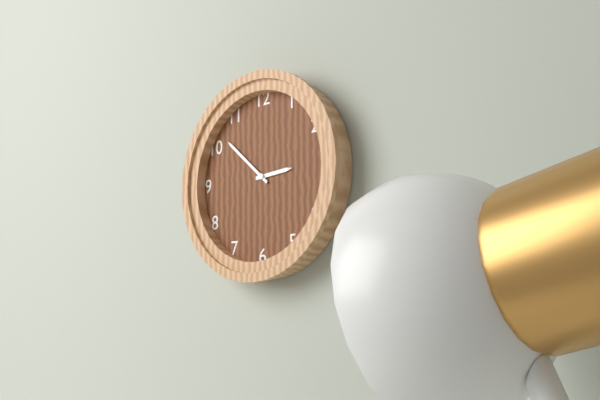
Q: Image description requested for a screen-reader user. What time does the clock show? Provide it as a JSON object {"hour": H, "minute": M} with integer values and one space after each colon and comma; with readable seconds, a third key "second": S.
{"hour": 2, "minute": 52}
